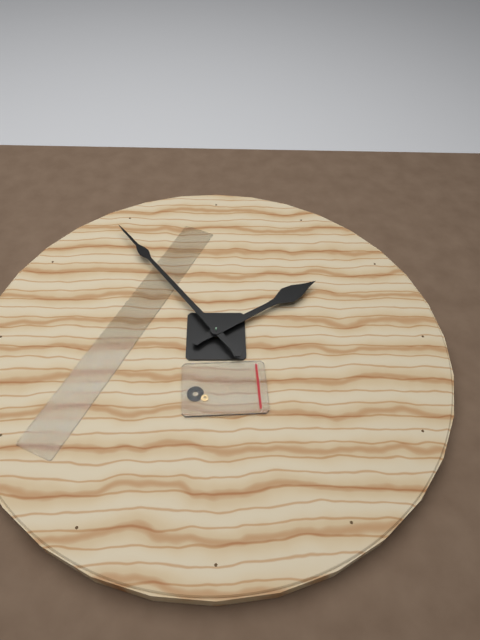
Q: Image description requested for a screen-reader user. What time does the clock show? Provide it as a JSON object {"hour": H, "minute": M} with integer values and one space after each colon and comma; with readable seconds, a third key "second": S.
{"hour": 1, "minute": 54}
